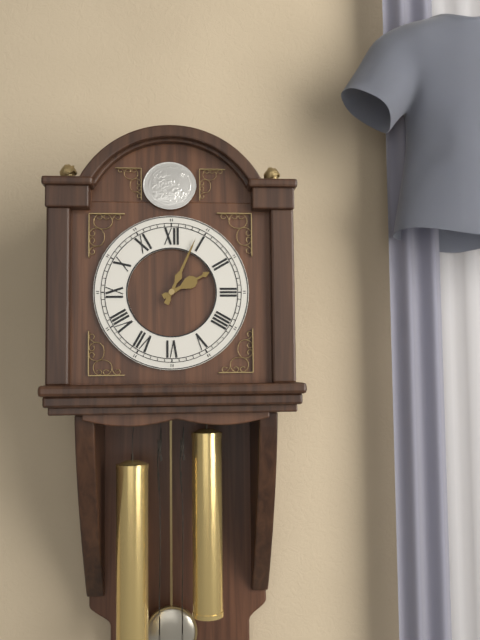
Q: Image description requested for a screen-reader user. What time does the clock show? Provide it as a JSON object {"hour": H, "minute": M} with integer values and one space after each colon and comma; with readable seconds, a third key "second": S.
{"hour": 2, "minute": 4}
